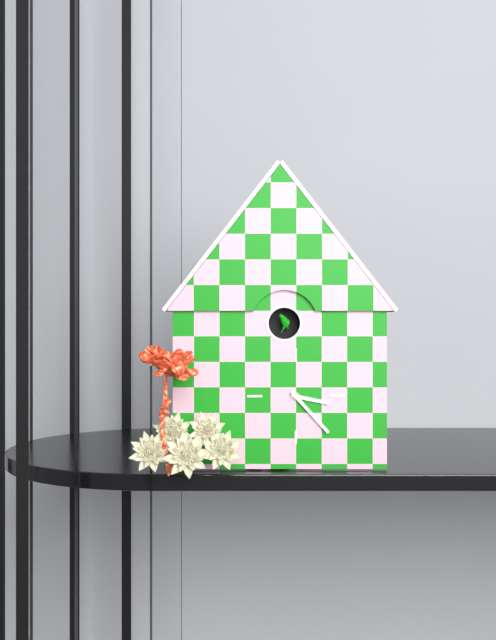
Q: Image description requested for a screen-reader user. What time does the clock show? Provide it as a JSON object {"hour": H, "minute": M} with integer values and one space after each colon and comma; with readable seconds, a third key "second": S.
{"hour": 3, "minute": 23}
